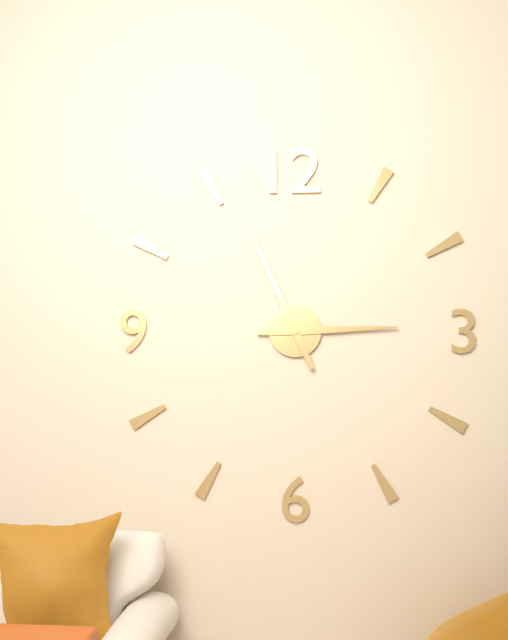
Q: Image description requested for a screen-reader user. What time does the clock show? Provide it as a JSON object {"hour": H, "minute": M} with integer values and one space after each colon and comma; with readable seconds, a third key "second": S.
{"hour": 2, "minute": 56}
